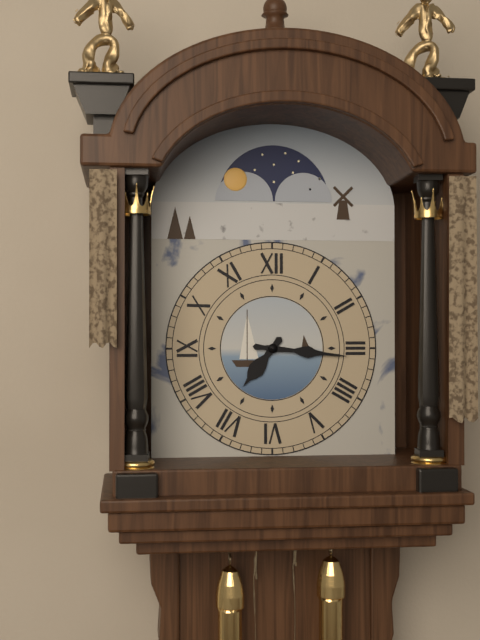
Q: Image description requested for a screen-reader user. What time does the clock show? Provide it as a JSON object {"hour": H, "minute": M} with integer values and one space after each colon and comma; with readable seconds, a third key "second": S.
{"hour": 7, "minute": 16}
